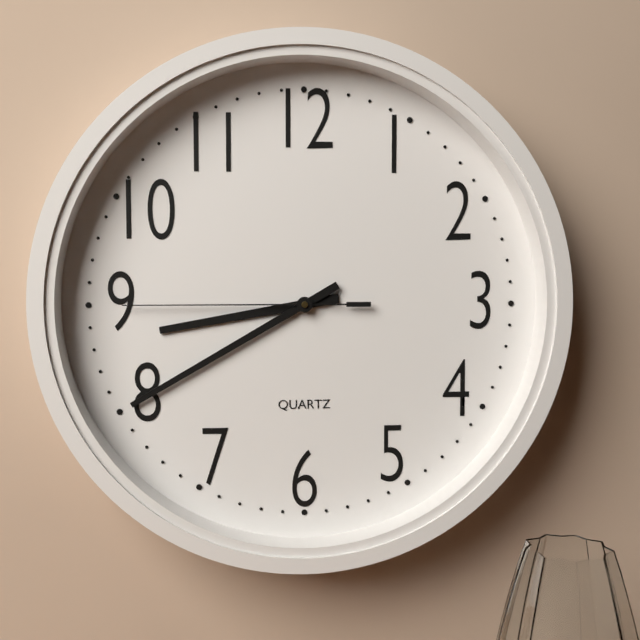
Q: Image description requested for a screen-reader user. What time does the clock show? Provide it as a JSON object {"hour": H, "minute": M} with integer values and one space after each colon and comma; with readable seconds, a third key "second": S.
{"hour": 8, "minute": 40, "second": 45}
